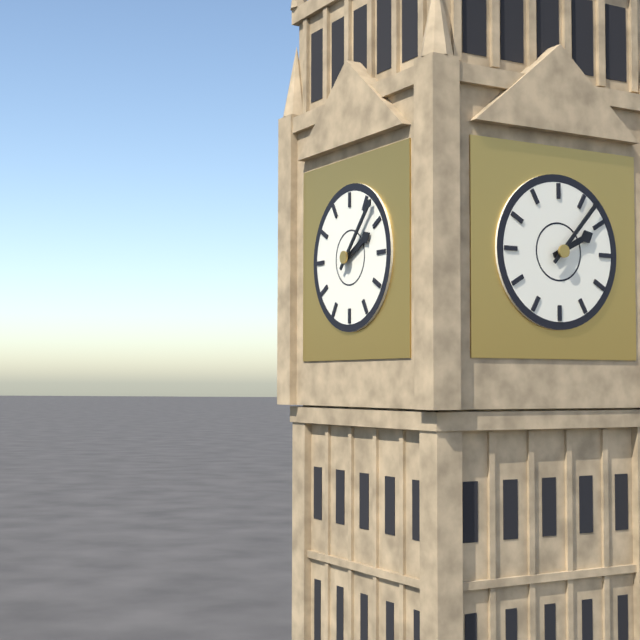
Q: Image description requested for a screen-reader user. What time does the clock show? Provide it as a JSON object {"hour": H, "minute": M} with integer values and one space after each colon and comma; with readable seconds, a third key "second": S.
{"hour": 2, "minute": 7}
